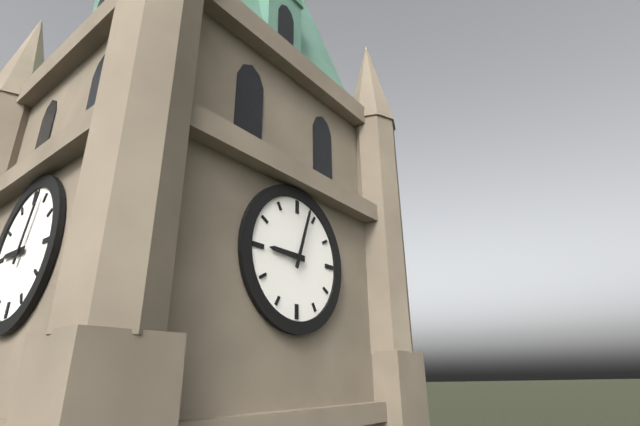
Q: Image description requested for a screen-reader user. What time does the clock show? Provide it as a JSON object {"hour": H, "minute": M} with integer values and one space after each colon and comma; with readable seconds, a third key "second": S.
{"hour": 9, "minute": 3}
